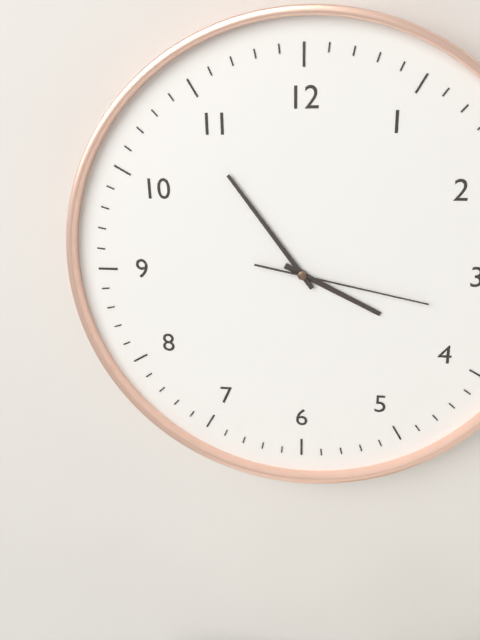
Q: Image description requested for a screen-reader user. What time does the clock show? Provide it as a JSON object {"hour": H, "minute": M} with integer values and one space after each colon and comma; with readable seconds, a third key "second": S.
{"hour": 3, "minute": 54, "second": 17}
